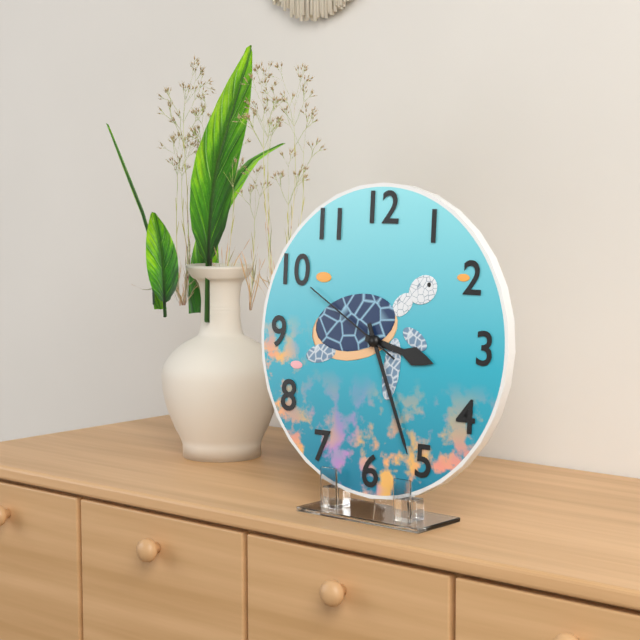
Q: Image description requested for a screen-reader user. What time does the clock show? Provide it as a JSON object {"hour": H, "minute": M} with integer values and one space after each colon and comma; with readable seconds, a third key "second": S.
{"hour": 3, "minute": 26, "second": 50}
